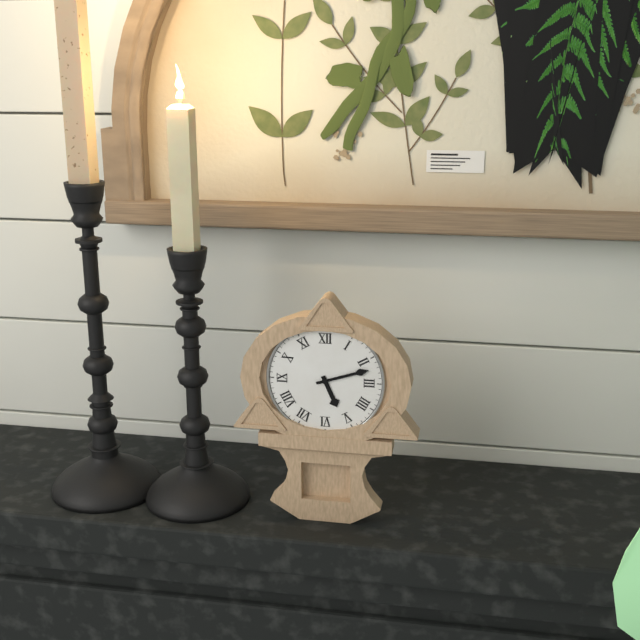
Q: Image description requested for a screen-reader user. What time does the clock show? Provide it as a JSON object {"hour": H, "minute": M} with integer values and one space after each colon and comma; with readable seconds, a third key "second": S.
{"hour": 5, "minute": 12}
